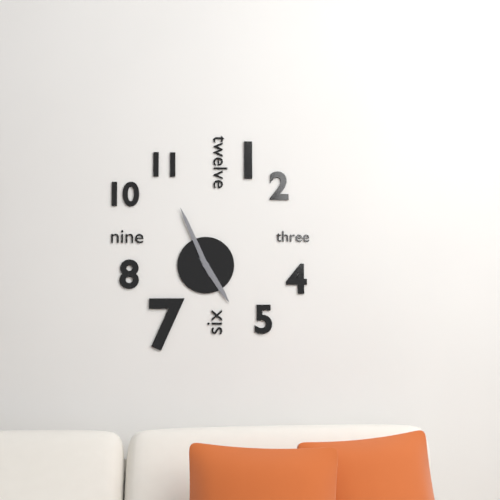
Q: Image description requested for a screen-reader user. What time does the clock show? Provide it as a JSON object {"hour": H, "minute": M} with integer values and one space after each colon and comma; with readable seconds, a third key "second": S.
{"hour": 4, "minute": 56}
